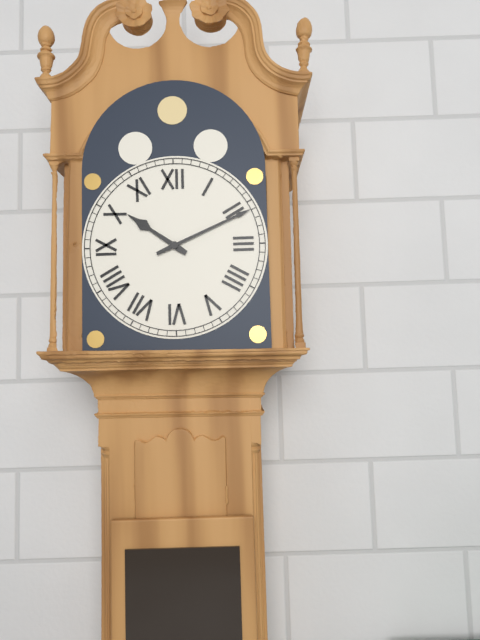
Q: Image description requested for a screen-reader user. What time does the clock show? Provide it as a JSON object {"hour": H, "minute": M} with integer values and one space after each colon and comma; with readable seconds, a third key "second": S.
{"hour": 10, "minute": 11}
